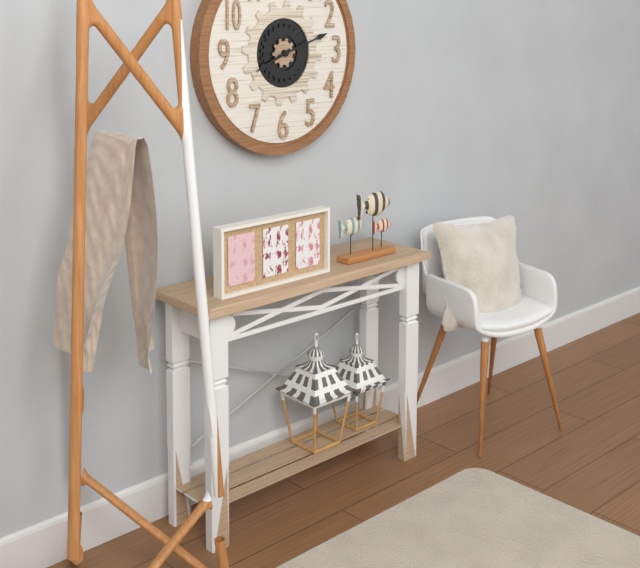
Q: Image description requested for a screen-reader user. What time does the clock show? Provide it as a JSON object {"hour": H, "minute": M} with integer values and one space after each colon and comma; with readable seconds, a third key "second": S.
{"hour": 8, "minute": 12}
